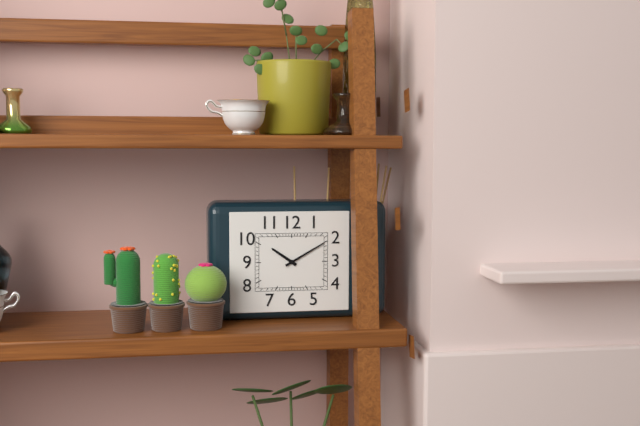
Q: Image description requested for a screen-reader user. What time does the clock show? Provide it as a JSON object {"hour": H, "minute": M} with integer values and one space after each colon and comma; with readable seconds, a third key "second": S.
{"hour": 10, "minute": 10}
